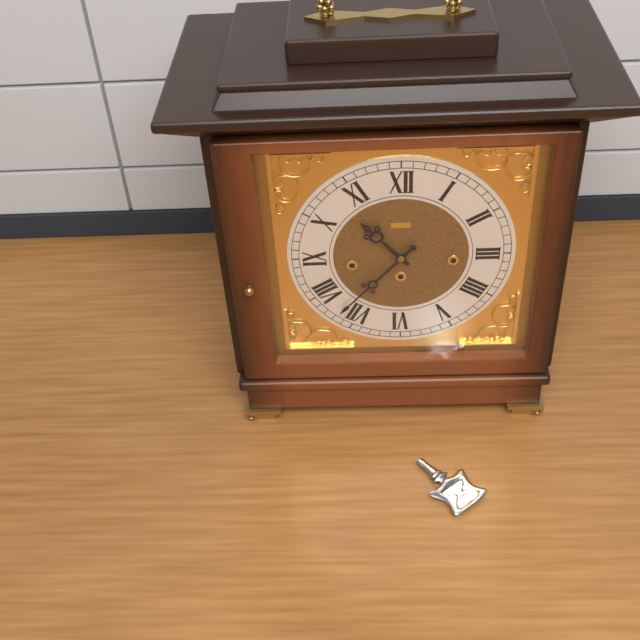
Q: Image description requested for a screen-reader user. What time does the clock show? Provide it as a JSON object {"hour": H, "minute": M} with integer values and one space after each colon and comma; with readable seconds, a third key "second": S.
{"hour": 10, "minute": 37}
